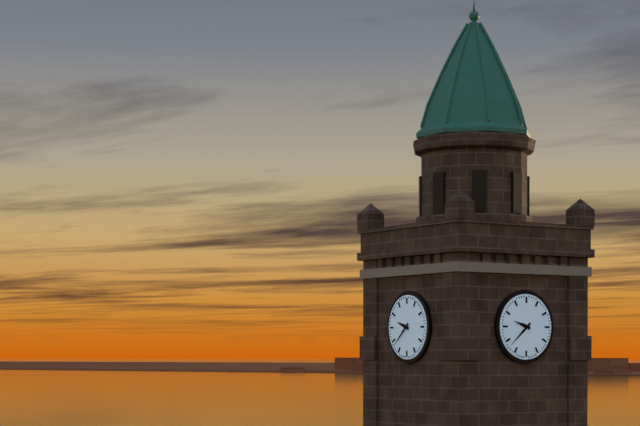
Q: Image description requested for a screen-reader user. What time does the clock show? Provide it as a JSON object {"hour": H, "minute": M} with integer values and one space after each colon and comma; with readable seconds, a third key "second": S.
{"hour": 9, "minute": 38}
